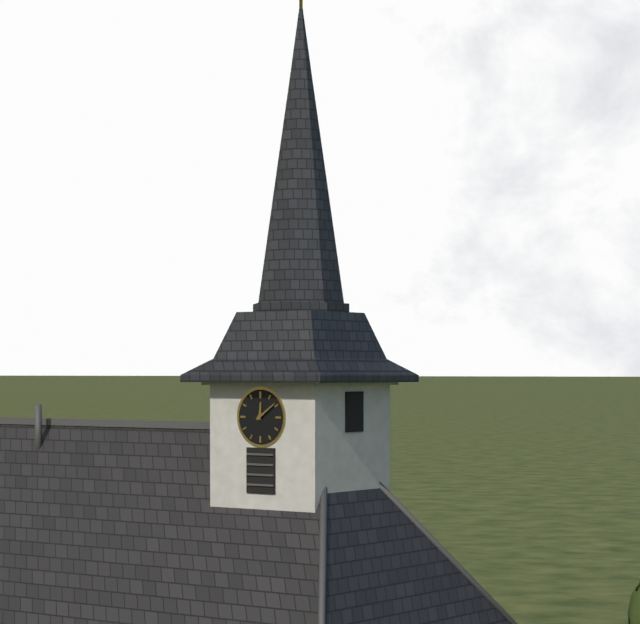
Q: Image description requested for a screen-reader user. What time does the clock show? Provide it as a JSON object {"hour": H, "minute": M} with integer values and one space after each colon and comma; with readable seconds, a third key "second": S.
{"hour": 12, "minute": 9}
